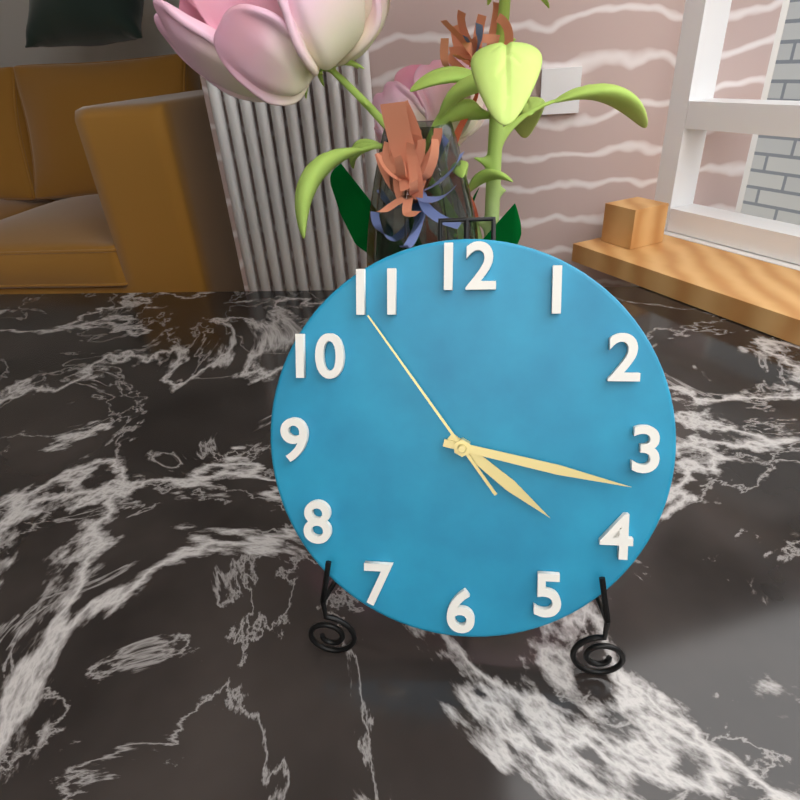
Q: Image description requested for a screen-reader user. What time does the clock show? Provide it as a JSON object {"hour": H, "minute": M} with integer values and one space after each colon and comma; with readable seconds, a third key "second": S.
{"hour": 4, "minute": 17, "second": 54}
